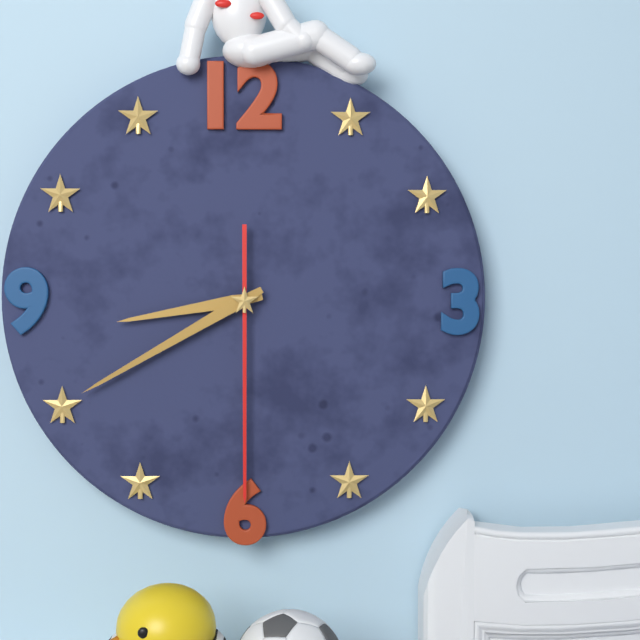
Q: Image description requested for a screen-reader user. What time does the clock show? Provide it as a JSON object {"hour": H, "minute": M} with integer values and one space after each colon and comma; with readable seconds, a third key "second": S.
{"hour": 8, "minute": 40, "second": 30}
